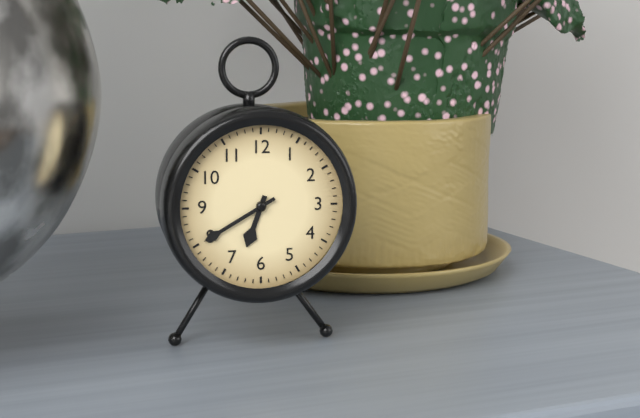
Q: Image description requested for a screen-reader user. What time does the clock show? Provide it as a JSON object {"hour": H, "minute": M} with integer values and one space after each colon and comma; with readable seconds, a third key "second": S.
{"hour": 6, "minute": 40}
